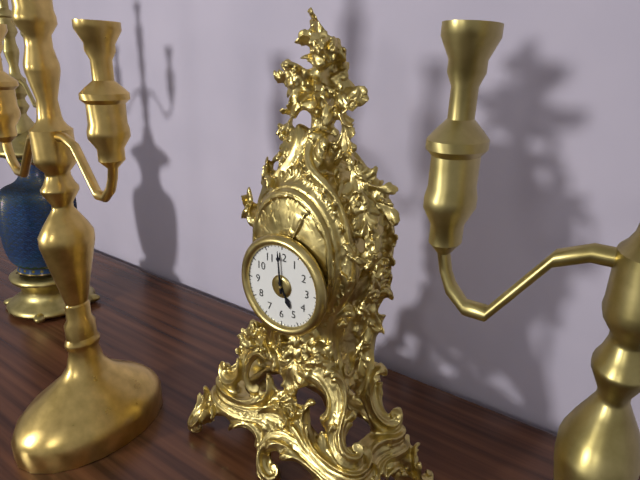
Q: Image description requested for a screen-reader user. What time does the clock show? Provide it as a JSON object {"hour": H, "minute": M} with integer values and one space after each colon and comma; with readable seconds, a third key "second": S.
{"hour": 4, "minute": 59}
